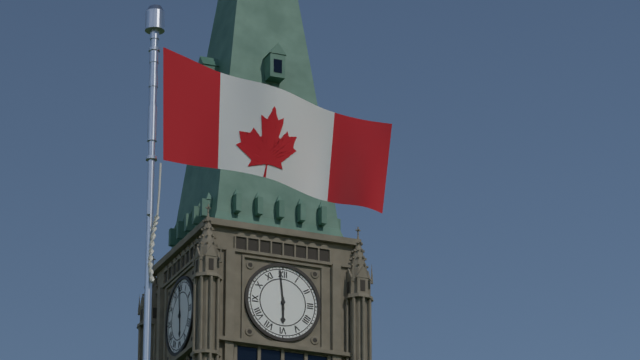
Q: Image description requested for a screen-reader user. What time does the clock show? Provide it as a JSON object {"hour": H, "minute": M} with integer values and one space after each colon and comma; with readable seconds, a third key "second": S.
{"hour": 5, "minute": 59}
